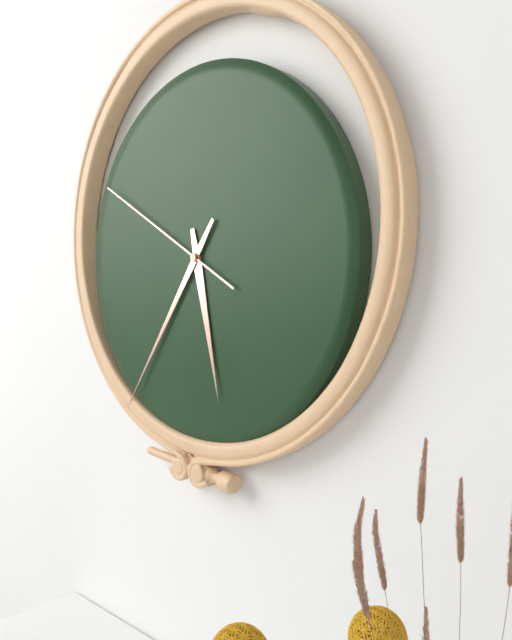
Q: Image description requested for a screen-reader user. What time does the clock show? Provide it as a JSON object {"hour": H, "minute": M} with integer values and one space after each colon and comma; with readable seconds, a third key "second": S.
{"hour": 5, "minute": 36, "second": 50}
